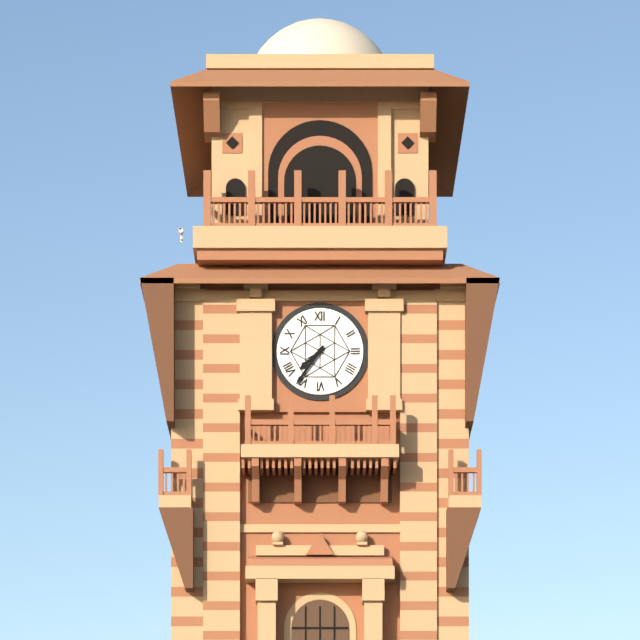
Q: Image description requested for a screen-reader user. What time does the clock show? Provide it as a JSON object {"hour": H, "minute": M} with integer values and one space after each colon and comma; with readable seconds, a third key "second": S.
{"hour": 7, "minute": 36}
